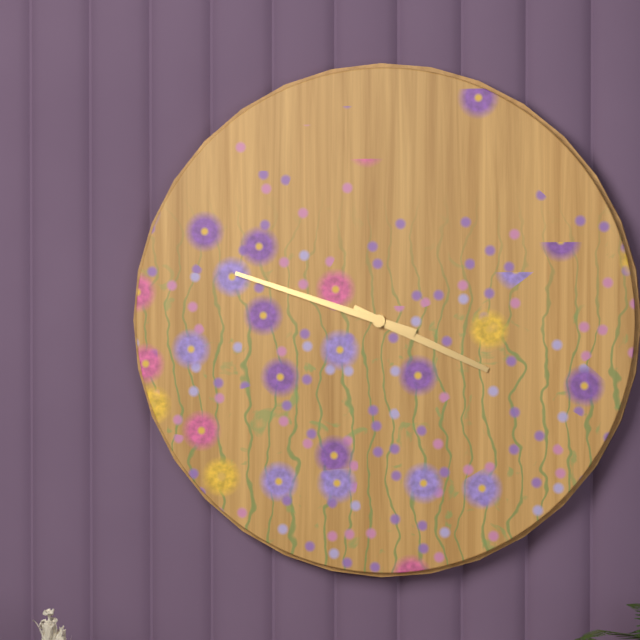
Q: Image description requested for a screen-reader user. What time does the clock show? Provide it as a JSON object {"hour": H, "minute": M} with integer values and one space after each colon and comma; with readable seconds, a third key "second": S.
{"hour": 3, "minute": 48}
